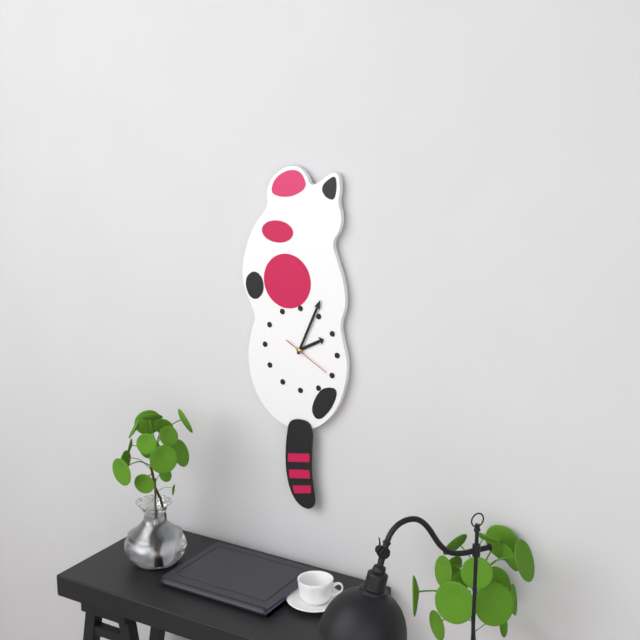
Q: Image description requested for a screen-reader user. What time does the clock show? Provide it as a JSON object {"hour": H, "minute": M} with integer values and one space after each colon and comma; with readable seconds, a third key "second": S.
{"hour": 2, "minute": 4}
